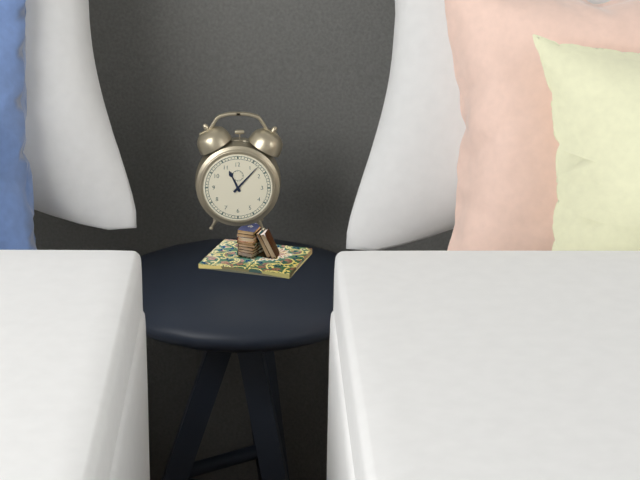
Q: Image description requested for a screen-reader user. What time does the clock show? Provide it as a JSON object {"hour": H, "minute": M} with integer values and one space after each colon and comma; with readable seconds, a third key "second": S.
{"hour": 11, "minute": 7}
